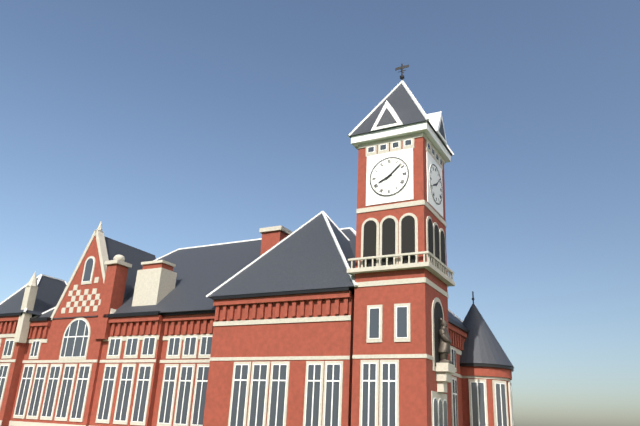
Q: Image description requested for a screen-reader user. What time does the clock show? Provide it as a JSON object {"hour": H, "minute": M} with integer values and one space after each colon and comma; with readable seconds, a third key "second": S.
{"hour": 8, "minute": 8}
